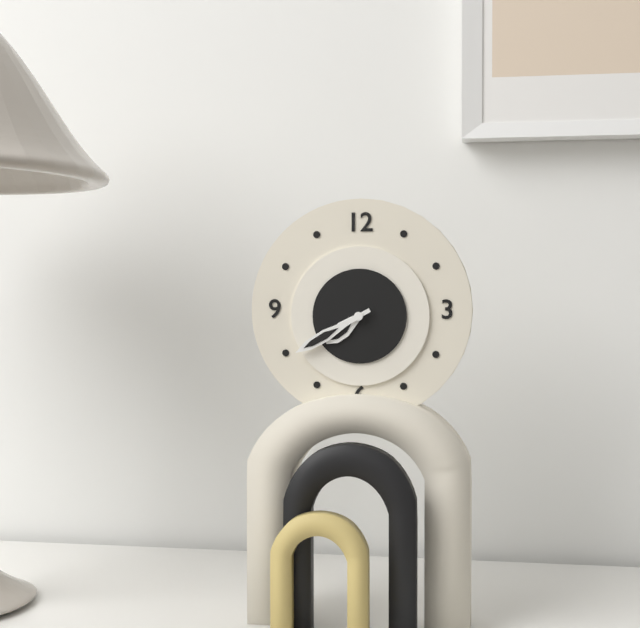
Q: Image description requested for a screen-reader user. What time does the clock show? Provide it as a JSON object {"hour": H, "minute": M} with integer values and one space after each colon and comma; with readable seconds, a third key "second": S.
{"hour": 7, "minute": 40}
